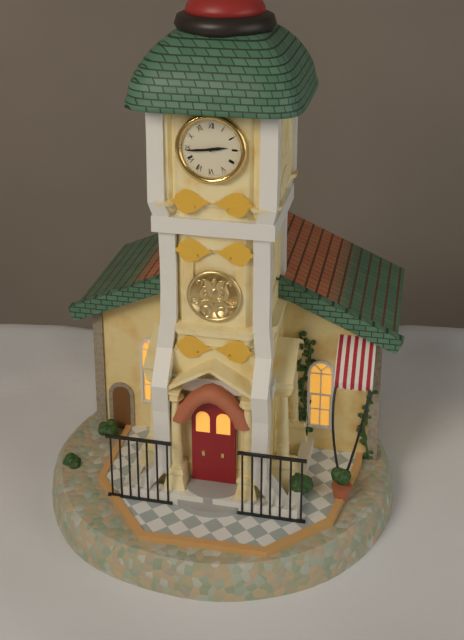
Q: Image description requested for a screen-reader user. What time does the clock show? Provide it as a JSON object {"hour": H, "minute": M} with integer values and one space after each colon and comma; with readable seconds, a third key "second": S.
{"hour": 2, "minute": 44}
